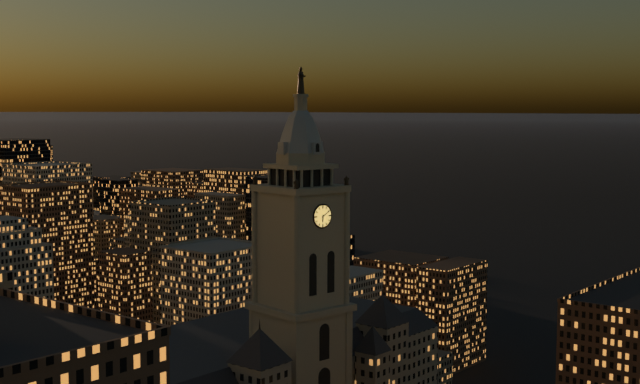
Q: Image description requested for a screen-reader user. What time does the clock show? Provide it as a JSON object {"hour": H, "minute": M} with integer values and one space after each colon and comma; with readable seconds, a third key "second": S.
{"hour": 6, "minute": 10}
